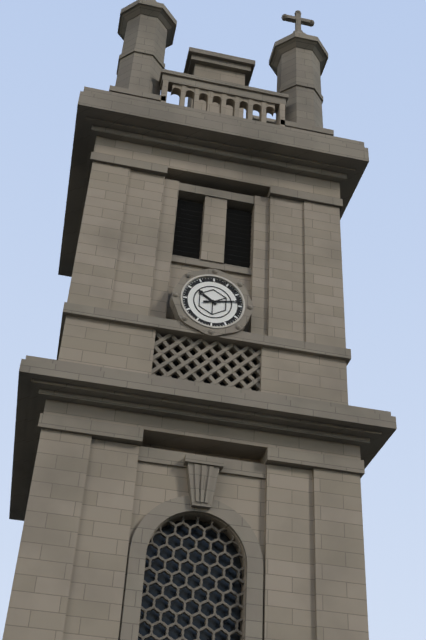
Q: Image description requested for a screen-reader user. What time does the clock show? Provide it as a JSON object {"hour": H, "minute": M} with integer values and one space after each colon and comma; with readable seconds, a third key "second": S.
{"hour": 10, "minute": 13}
